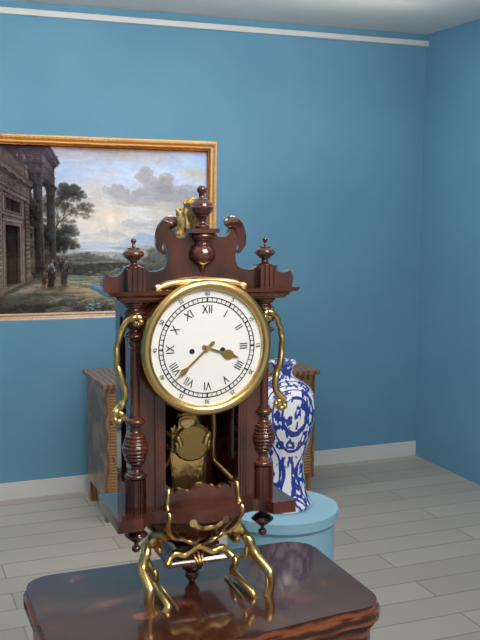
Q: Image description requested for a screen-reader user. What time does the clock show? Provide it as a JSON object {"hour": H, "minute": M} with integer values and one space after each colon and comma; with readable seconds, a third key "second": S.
{"hour": 3, "minute": 38}
